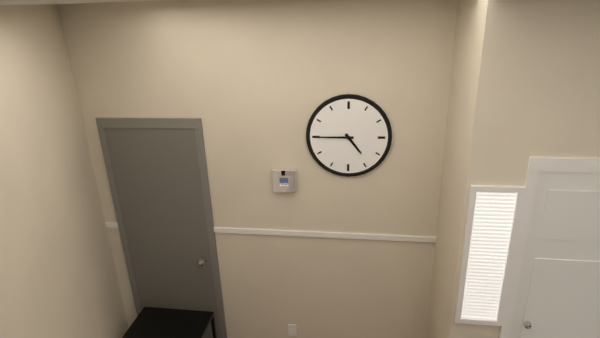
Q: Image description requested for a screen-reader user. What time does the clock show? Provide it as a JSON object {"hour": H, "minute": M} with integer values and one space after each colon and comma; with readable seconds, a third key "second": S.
{"hour": 4, "minute": 45}
